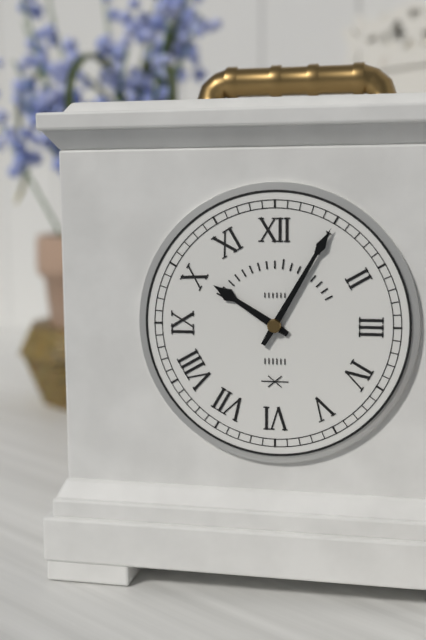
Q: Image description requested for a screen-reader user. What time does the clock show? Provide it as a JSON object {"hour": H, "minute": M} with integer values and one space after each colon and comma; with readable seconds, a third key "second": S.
{"hour": 10, "minute": 5}
